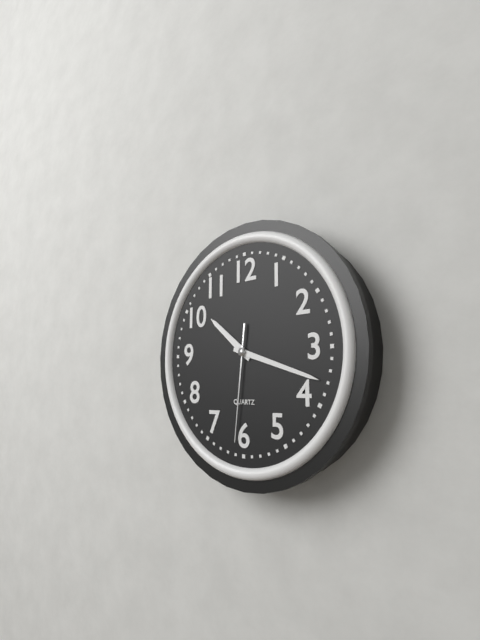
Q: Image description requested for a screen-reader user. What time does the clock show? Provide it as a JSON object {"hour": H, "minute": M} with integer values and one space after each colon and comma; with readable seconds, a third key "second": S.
{"hour": 10, "minute": 18, "second": 31}
